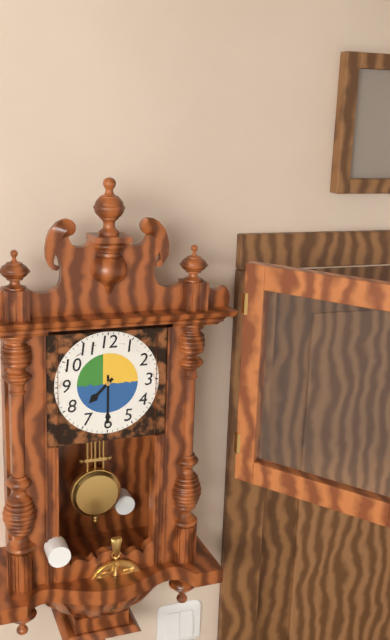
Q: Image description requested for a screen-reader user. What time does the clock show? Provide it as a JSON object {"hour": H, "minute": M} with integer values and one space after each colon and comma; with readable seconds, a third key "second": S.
{"hour": 7, "minute": 30}
